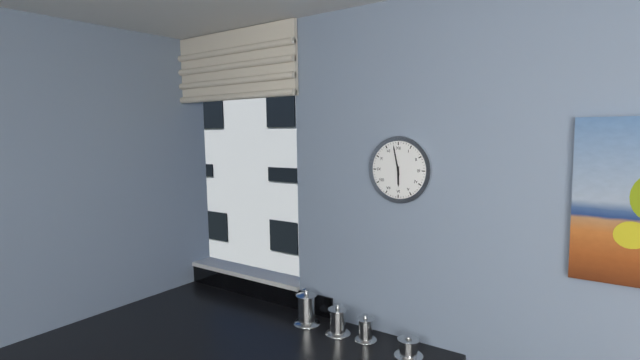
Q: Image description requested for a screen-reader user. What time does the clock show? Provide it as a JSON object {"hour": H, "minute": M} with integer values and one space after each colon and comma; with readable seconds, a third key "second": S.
{"hour": 5, "minute": 58}
